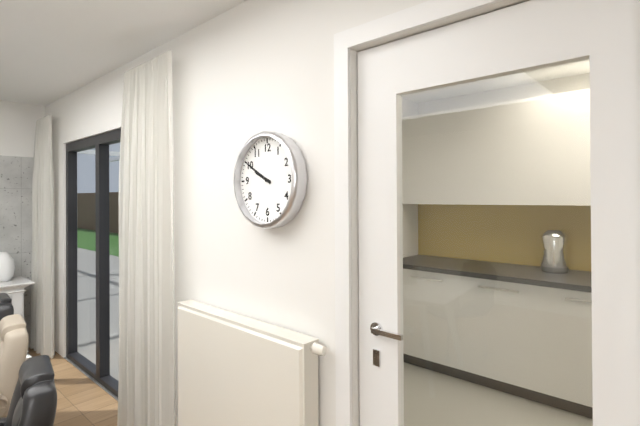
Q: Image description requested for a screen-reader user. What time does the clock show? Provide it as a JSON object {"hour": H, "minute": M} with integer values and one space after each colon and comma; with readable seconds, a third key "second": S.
{"hour": 9, "minute": 50}
